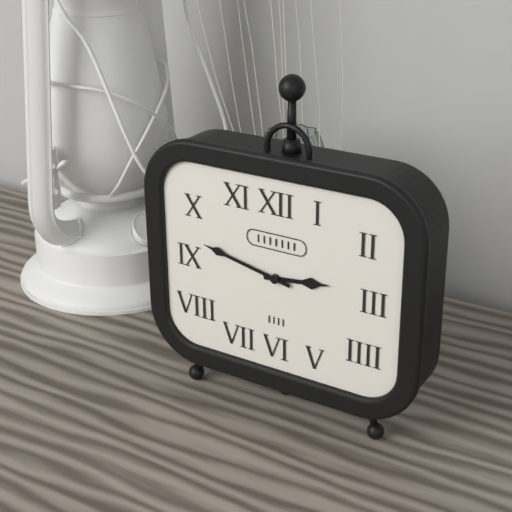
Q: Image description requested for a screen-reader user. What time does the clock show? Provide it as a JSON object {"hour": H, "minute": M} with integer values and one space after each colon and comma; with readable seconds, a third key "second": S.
{"hour": 2, "minute": 47}
